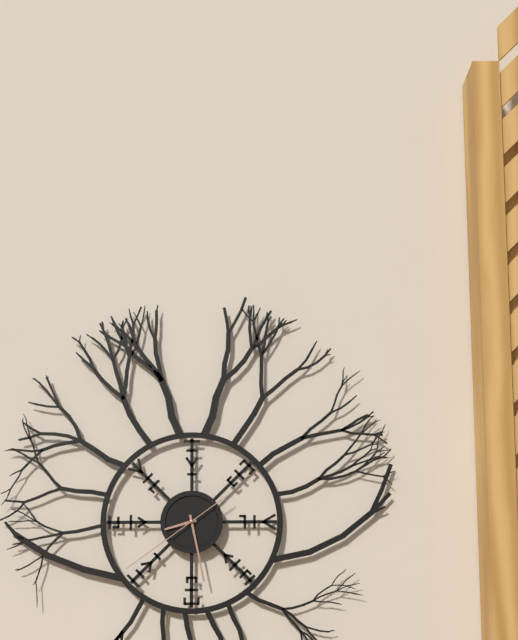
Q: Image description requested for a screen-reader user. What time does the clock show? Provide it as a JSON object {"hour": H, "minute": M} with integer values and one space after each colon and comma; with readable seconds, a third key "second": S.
{"hour": 8, "minute": 28, "second": 39}
